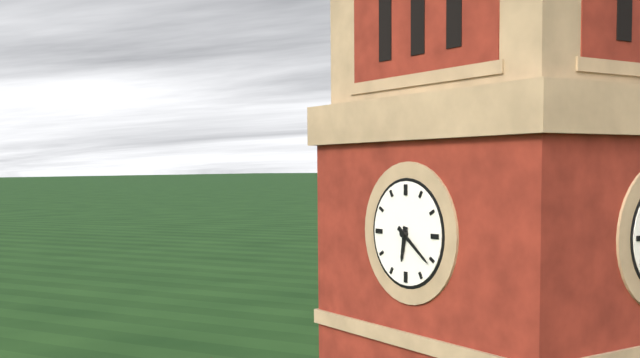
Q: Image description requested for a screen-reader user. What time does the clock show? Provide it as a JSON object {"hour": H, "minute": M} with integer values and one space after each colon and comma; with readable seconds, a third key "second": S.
{"hour": 6, "minute": 21}
